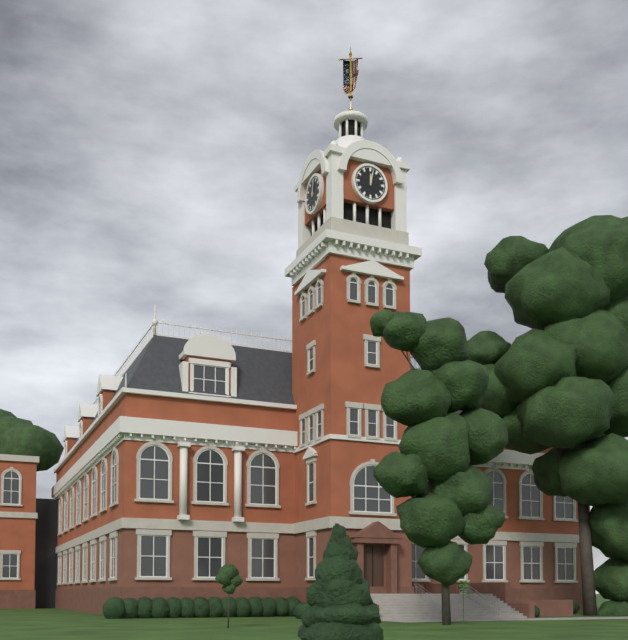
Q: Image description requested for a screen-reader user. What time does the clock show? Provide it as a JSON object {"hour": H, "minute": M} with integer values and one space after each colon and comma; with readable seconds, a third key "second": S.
{"hour": 12, "minute": 2}
